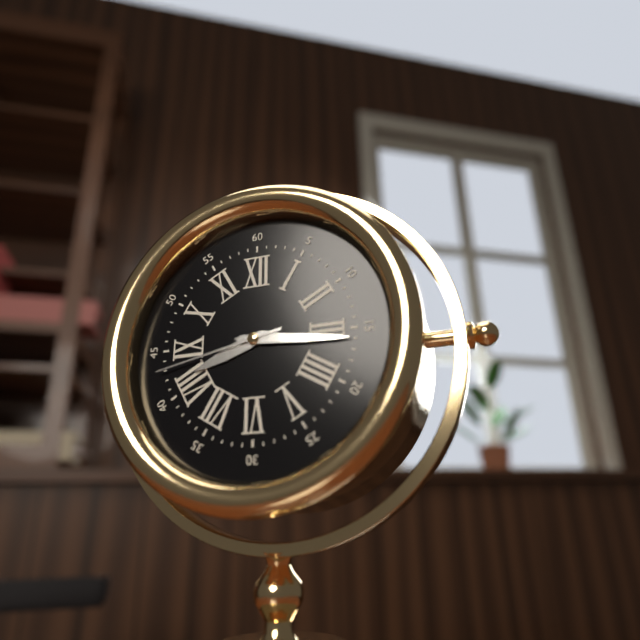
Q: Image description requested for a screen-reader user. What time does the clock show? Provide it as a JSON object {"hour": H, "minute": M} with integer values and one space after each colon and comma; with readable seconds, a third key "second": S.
{"hour": 8, "minute": 16, "second": 43}
